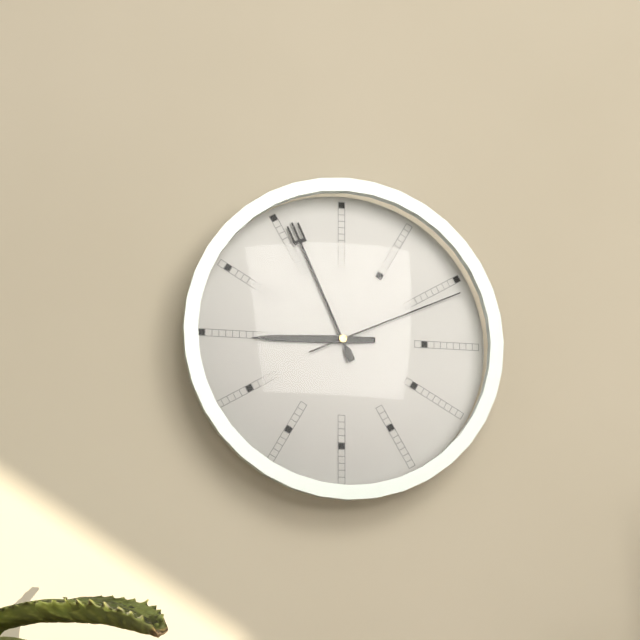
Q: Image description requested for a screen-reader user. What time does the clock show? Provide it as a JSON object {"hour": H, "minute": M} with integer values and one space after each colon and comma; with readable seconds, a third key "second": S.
{"hour": 8, "minute": 56, "second": 11}
